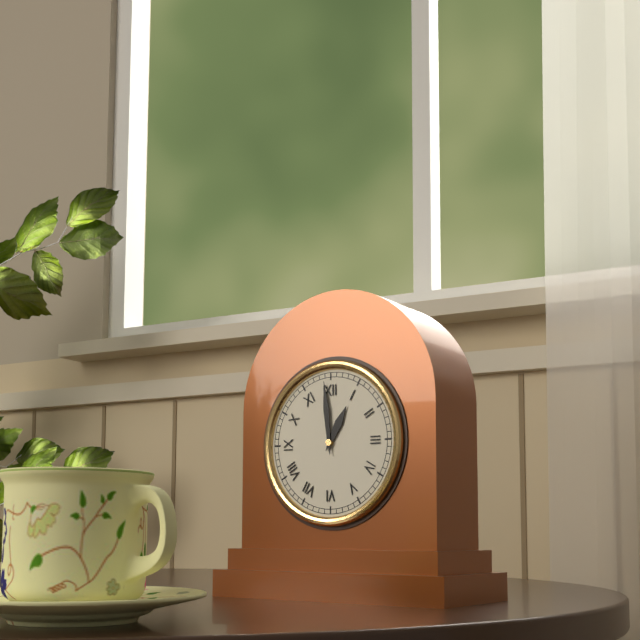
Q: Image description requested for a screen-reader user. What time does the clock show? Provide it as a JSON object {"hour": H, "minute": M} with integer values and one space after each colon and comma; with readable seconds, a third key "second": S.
{"hour": 12, "minute": 59}
